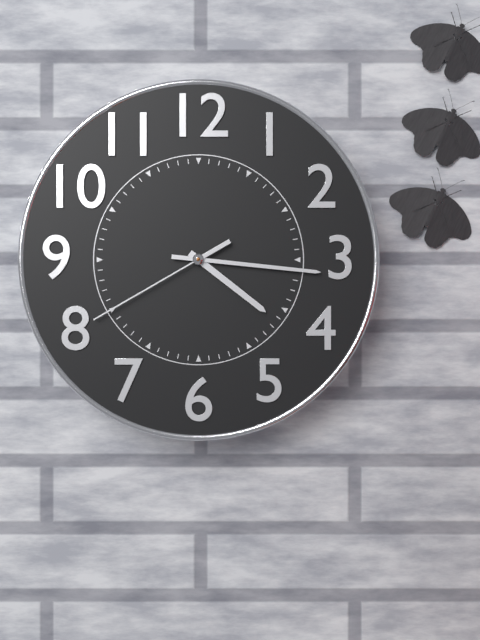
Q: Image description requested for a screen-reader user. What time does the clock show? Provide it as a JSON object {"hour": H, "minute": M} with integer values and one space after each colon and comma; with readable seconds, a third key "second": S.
{"hour": 4, "minute": 16, "second": 40}
